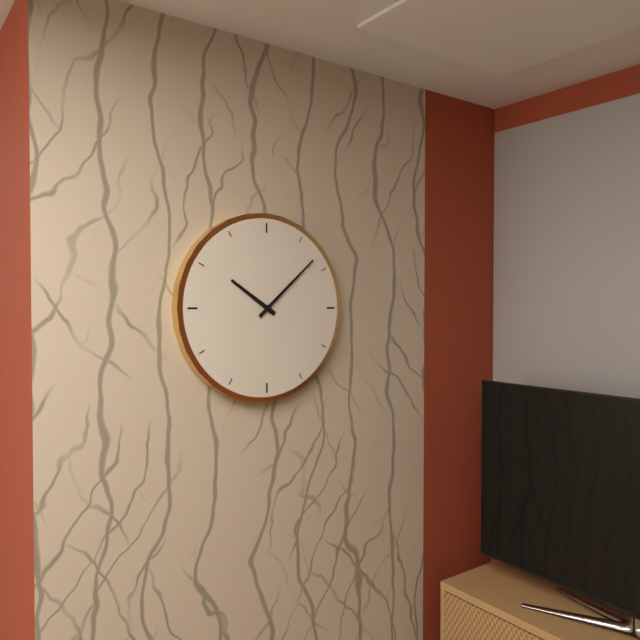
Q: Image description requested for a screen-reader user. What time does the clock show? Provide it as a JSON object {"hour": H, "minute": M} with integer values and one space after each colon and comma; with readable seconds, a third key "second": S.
{"hour": 10, "minute": 8}
